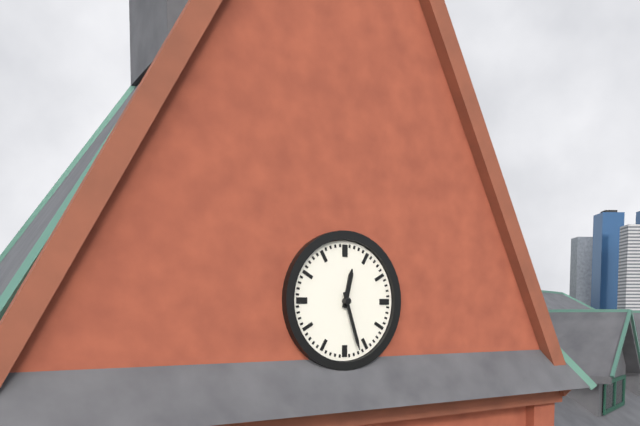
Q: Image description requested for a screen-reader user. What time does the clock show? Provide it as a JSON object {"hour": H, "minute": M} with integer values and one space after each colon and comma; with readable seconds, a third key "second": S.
{"hour": 12, "minute": 27}
